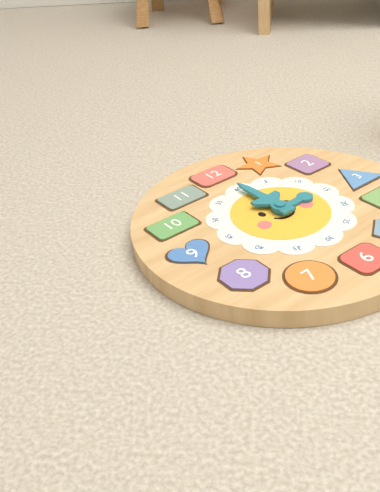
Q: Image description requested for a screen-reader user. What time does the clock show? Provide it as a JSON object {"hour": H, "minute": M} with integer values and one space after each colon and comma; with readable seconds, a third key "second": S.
{"hour": 3, "minute": 0}
